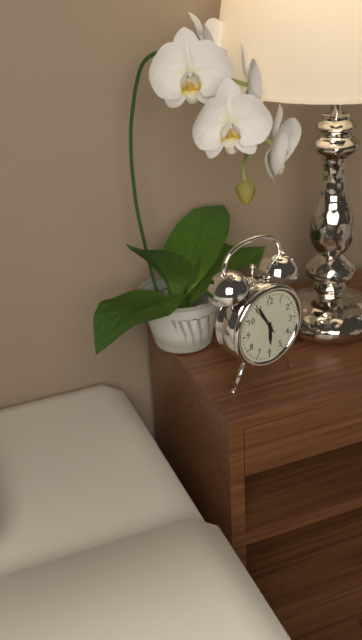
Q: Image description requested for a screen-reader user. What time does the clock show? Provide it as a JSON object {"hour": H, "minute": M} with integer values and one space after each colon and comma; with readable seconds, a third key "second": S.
{"hour": 5, "minute": 55}
